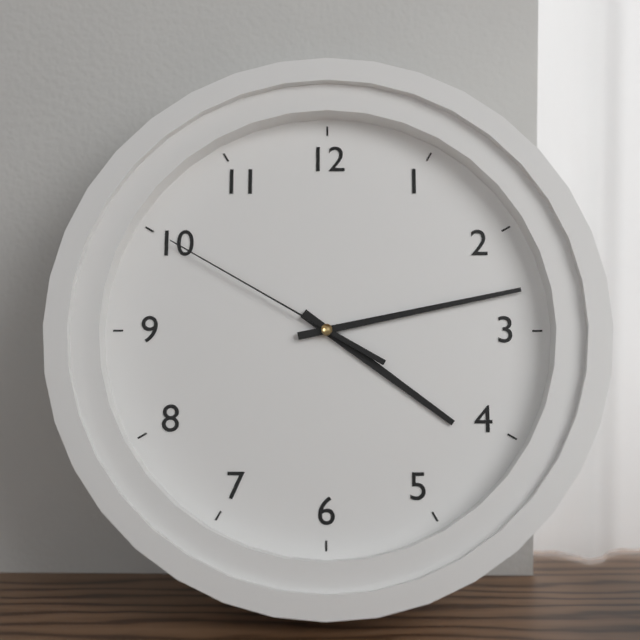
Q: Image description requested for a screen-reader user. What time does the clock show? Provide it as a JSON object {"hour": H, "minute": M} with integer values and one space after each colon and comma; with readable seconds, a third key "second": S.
{"hour": 4, "minute": 13, "second": 50}
